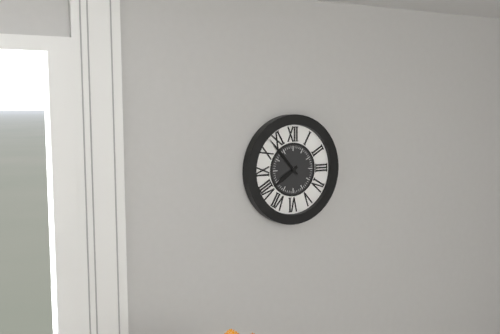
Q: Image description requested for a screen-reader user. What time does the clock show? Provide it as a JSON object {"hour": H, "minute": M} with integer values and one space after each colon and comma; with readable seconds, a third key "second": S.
{"hour": 7, "minute": 53}
